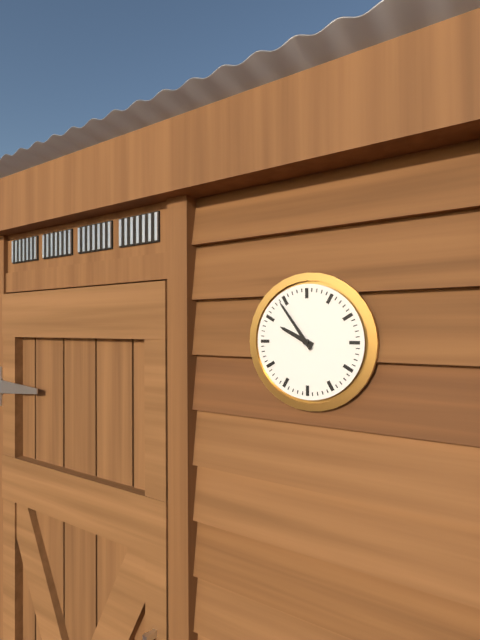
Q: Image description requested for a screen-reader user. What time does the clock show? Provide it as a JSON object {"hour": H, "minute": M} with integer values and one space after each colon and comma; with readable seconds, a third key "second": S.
{"hour": 9, "minute": 54}
